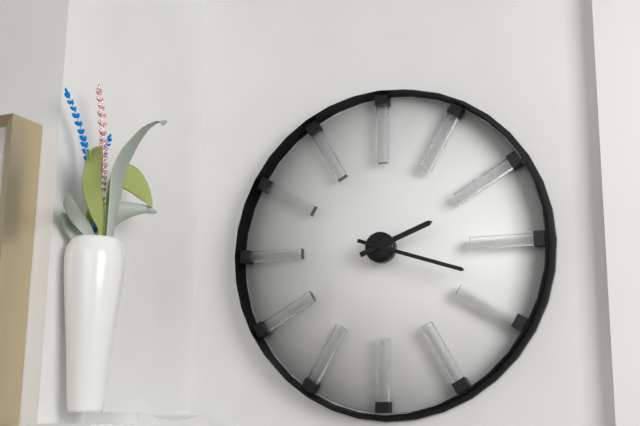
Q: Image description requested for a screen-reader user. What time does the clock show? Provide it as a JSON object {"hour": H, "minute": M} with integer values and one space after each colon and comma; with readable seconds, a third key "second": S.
{"hour": 2, "minute": 18}
